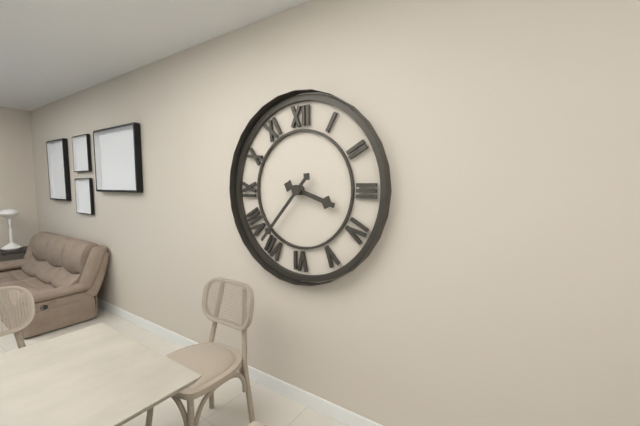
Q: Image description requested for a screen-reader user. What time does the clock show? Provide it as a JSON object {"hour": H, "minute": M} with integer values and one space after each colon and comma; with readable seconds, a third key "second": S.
{"hour": 3, "minute": 37}
